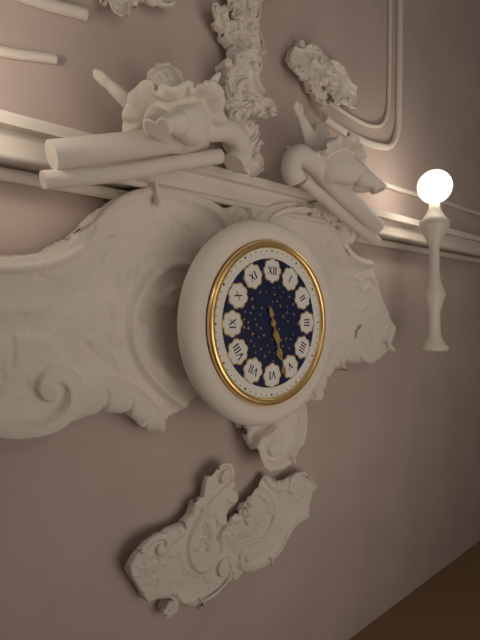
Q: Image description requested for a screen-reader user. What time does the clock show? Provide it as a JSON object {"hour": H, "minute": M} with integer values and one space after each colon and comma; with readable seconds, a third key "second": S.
{"hour": 5, "minute": 27}
